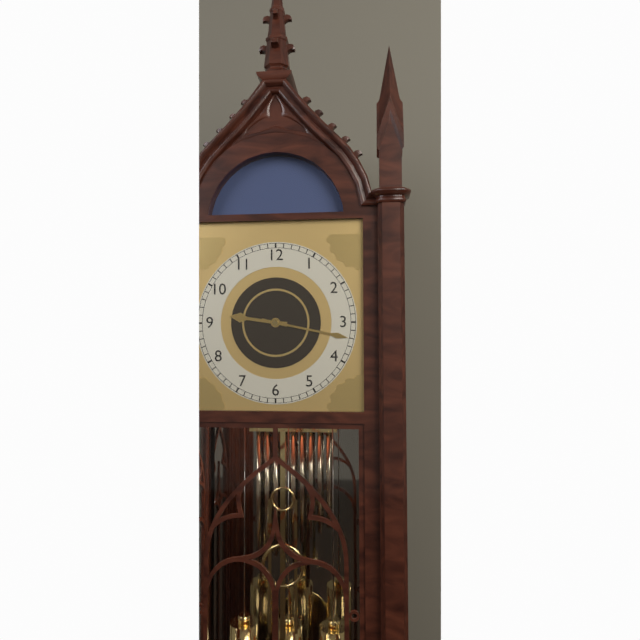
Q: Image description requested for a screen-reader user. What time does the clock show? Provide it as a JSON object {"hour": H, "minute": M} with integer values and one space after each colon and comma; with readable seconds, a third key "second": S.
{"hour": 9, "minute": 17}
